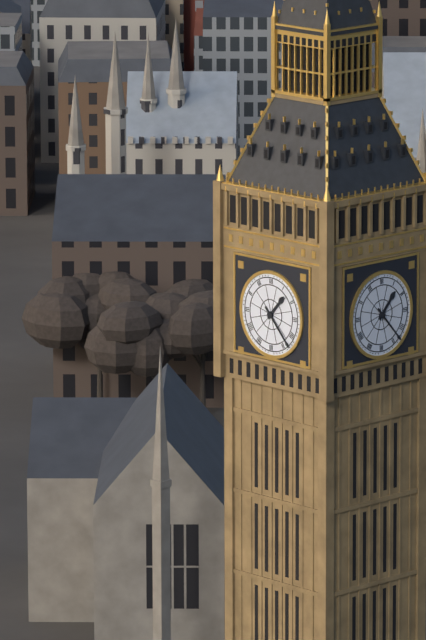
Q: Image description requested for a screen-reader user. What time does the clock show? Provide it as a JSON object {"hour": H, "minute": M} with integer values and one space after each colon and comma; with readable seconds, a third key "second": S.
{"hour": 1, "minute": 23}
